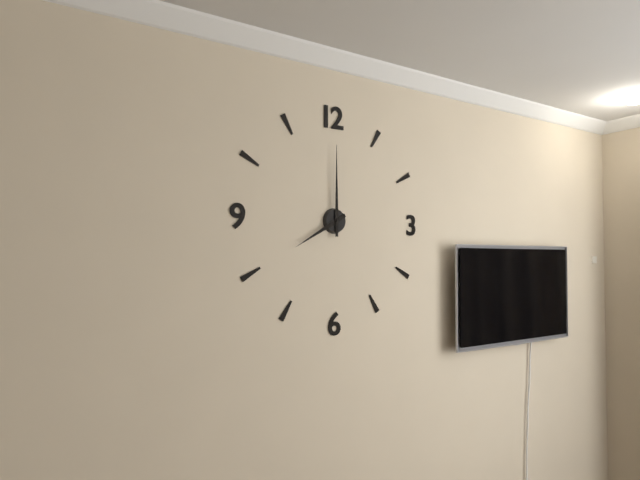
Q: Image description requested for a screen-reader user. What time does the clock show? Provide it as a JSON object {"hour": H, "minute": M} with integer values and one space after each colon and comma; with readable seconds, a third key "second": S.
{"hour": 8, "minute": 0}
